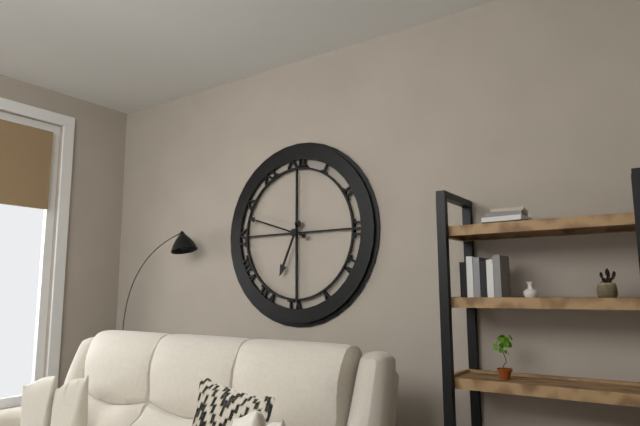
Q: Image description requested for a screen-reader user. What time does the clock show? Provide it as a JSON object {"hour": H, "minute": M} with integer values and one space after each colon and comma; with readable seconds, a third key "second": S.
{"hour": 6, "minute": 48}
